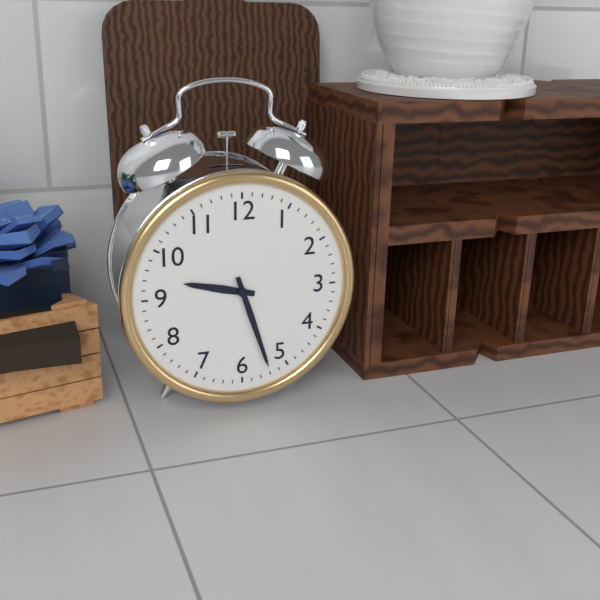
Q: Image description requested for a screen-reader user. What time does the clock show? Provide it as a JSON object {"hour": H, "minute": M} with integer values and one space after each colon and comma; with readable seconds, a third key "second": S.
{"hour": 9, "minute": 27}
